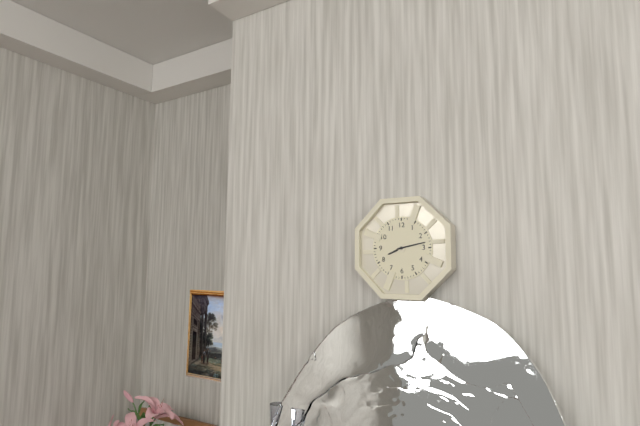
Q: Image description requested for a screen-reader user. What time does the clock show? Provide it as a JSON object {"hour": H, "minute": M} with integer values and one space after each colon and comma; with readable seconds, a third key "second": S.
{"hour": 8, "minute": 13}
